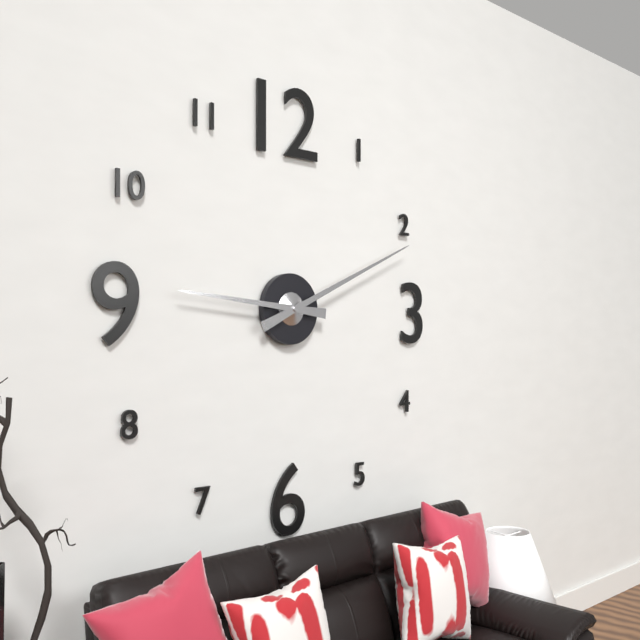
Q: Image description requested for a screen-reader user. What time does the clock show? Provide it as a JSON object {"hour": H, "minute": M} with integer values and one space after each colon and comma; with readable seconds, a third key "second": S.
{"hour": 9, "minute": 11}
